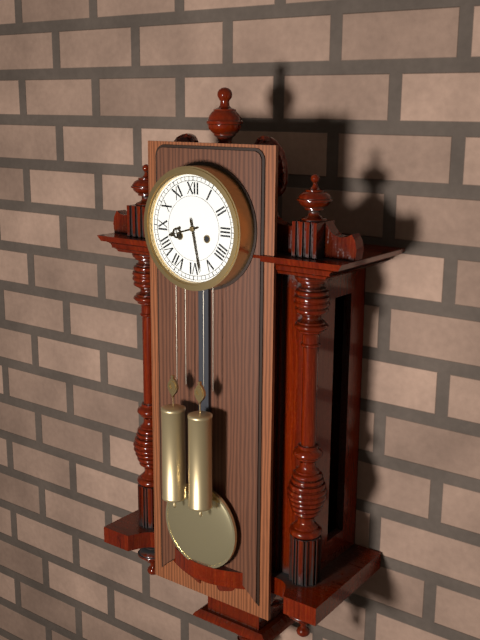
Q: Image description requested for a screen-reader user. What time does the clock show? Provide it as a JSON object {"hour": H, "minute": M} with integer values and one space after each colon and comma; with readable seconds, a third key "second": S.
{"hour": 8, "minute": 28}
